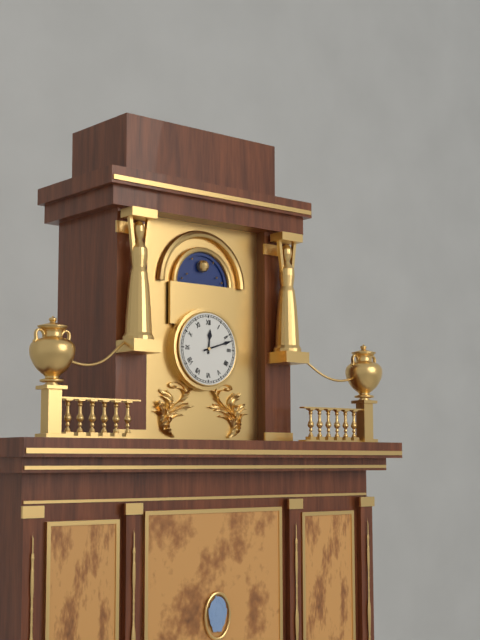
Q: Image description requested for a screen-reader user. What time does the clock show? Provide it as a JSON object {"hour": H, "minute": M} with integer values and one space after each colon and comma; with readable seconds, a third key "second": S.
{"hour": 12, "minute": 12}
